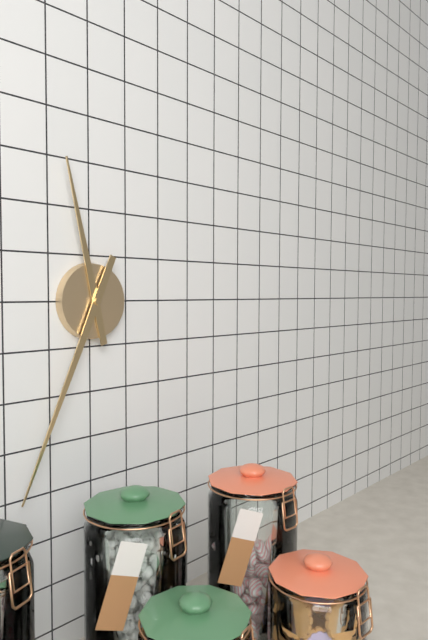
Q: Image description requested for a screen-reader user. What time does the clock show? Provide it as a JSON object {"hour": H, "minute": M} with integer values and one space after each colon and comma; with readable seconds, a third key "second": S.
{"hour": 11, "minute": 34}
